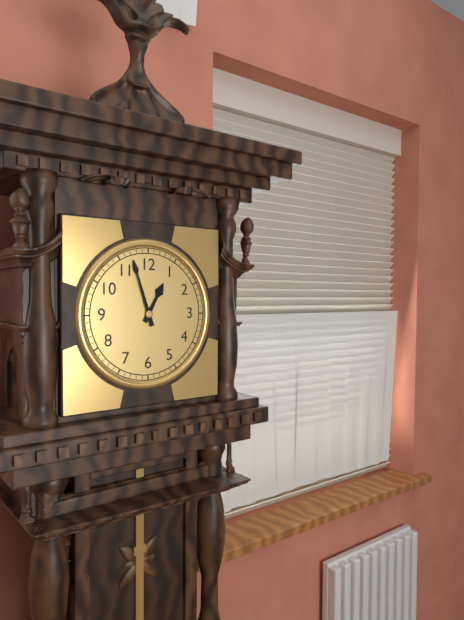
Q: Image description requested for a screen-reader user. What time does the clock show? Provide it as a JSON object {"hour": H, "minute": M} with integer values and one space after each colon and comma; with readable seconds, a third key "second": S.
{"hour": 12, "minute": 57}
